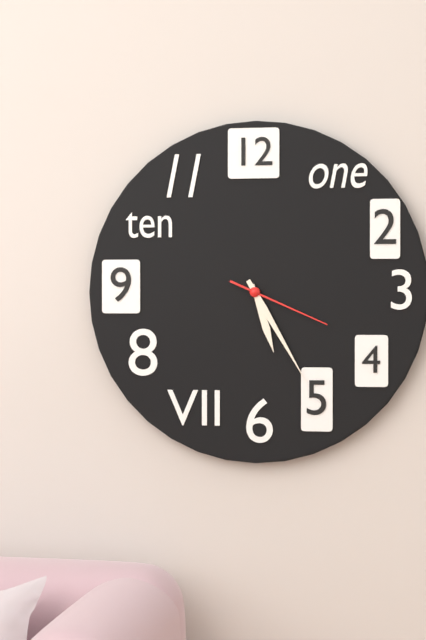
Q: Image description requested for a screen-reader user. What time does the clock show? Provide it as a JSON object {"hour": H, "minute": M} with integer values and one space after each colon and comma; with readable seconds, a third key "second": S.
{"hour": 5, "minute": 25, "second": 19}
